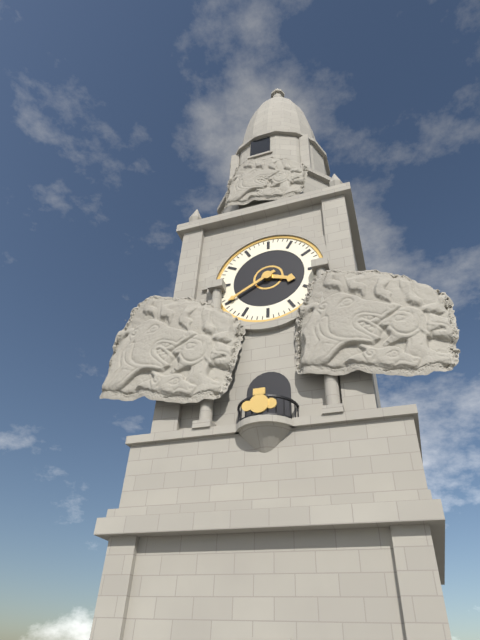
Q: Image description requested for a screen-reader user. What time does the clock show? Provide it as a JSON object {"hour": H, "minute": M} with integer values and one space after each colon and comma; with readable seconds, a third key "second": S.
{"hour": 3, "minute": 40}
